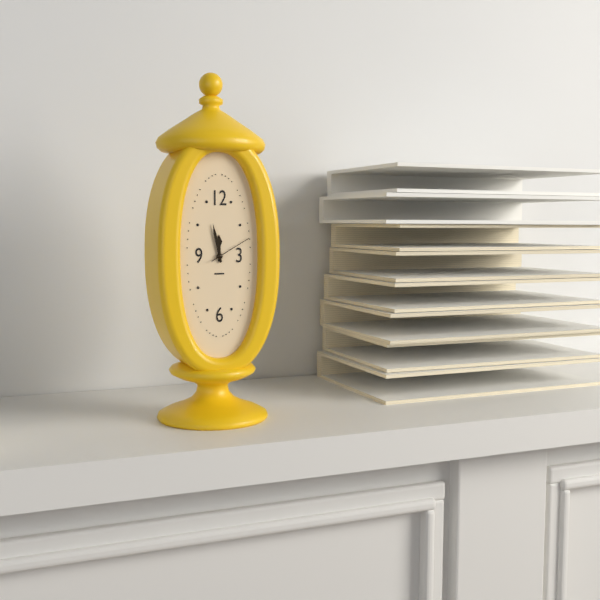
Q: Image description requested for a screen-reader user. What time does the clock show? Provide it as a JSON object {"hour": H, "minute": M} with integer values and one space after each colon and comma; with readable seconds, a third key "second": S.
{"hour": 11, "minute": 58}
